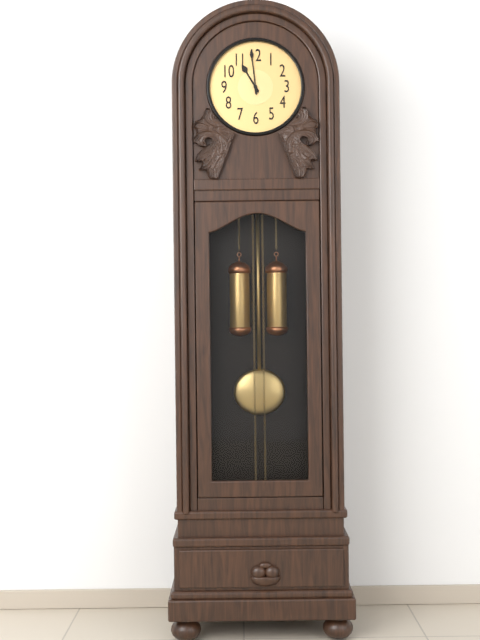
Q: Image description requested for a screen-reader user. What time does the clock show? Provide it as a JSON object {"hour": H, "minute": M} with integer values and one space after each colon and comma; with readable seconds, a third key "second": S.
{"hour": 10, "minute": 59}
